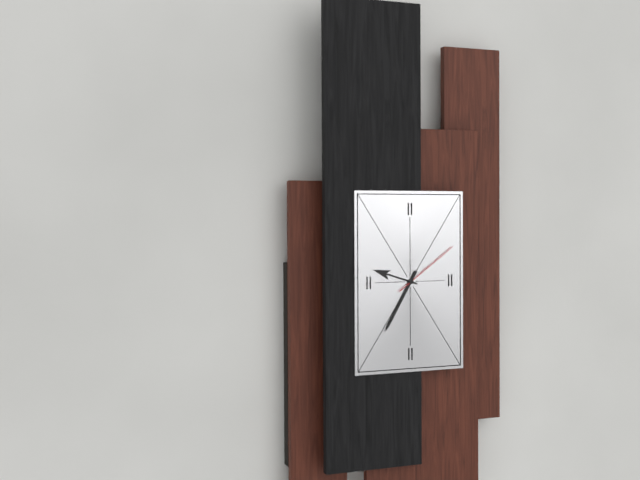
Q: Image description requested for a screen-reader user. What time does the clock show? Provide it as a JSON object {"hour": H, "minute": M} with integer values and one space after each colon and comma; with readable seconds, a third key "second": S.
{"hour": 9, "minute": 35, "second": 9}
